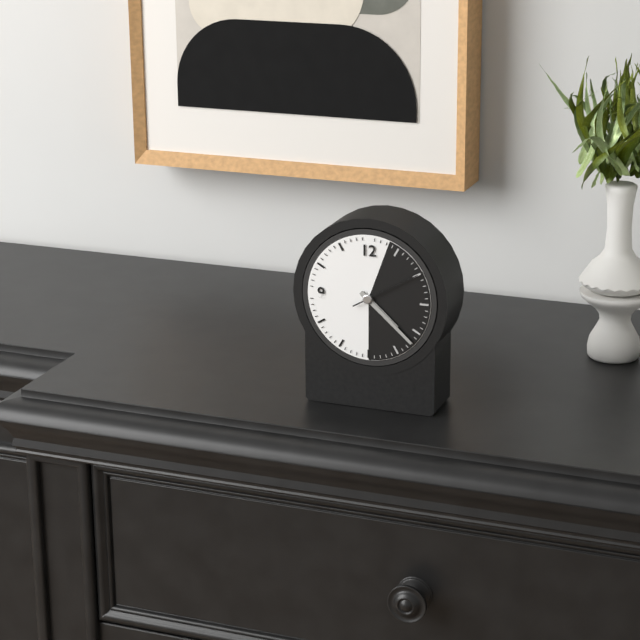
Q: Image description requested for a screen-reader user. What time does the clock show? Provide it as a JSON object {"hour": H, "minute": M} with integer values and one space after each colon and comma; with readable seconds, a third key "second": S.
{"hour": 4, "minute": 22, "second": 10}
